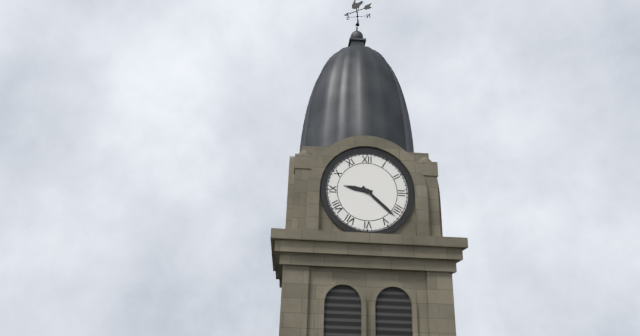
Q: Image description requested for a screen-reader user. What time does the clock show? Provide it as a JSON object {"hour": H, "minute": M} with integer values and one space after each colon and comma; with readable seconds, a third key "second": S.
{"hour": 9, "minute": 22}
